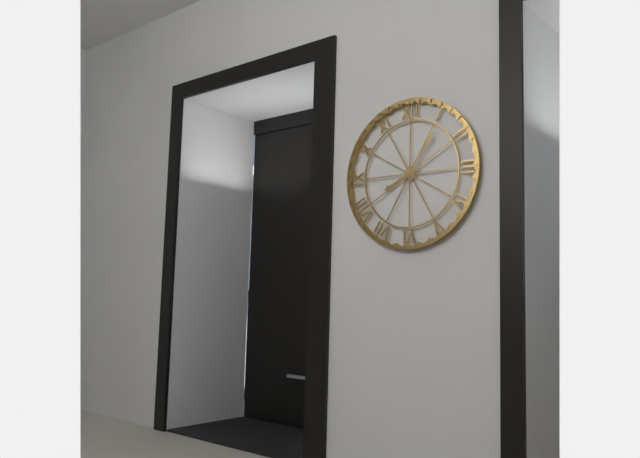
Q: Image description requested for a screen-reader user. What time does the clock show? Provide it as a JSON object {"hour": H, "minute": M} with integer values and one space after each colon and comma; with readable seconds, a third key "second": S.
{"hour": 8, "minute": 6}
